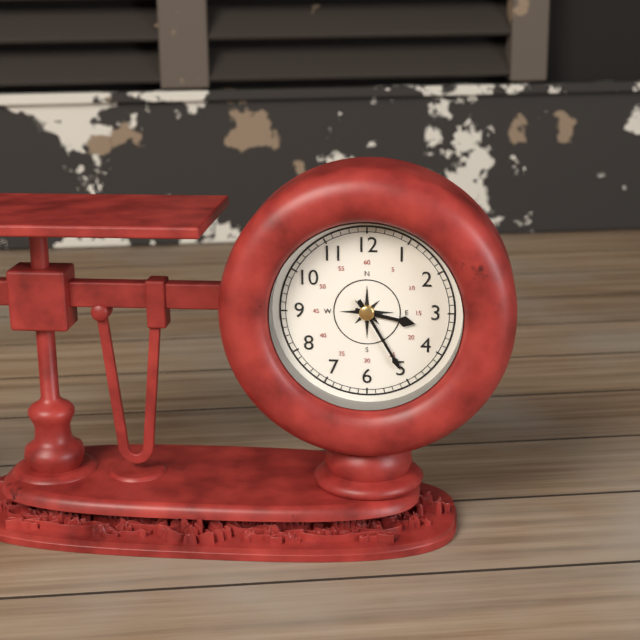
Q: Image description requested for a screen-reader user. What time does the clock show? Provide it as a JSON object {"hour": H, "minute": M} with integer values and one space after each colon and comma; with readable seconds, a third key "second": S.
{"hour": 3, "minute": 25}
